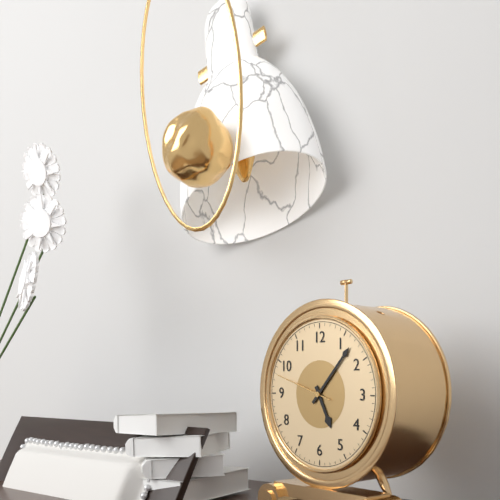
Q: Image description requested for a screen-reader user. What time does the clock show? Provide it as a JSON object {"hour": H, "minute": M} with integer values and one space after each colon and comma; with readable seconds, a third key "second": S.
{"hour": 5, "minute": 7, "second": 48}
